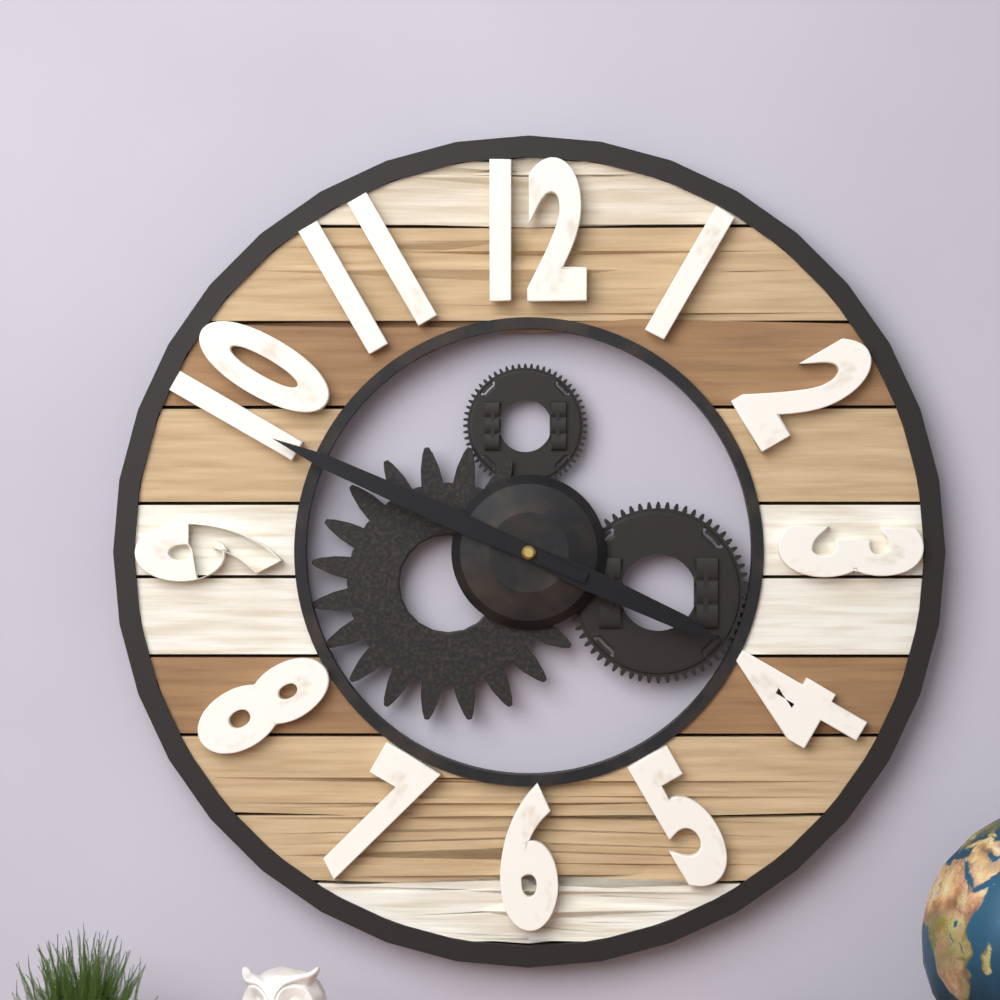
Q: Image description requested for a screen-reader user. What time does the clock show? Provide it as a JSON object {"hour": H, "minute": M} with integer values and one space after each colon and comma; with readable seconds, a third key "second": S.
{"hour": 3, "minute": 49}
